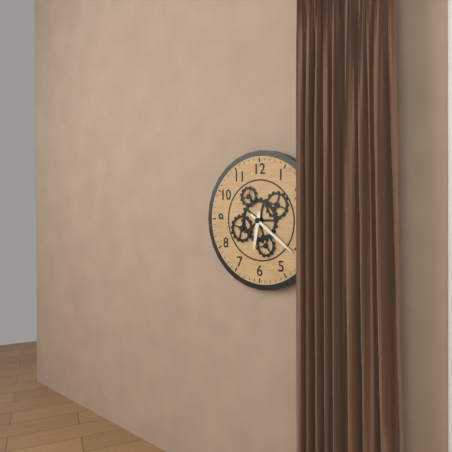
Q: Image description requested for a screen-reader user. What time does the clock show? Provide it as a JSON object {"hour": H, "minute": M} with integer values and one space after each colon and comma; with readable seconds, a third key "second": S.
{"hour": 6, "minute": 21}
